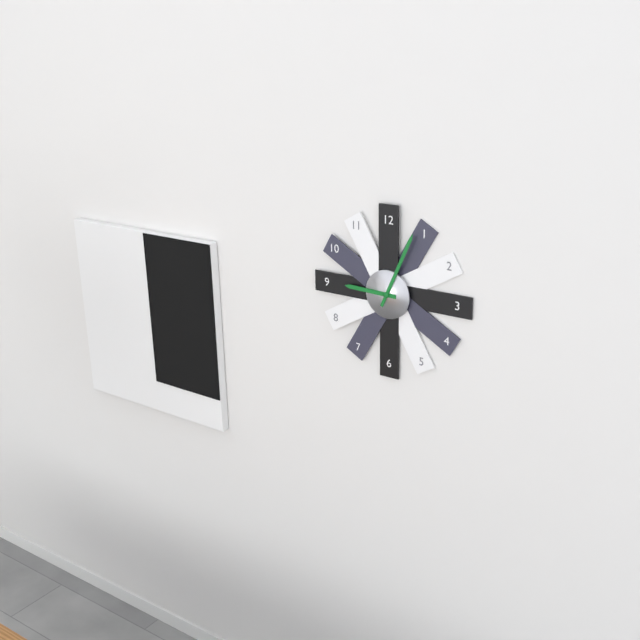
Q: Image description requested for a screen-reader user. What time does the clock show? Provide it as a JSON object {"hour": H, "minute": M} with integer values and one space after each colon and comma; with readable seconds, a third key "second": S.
{"hour": 9, "minute": 4}
